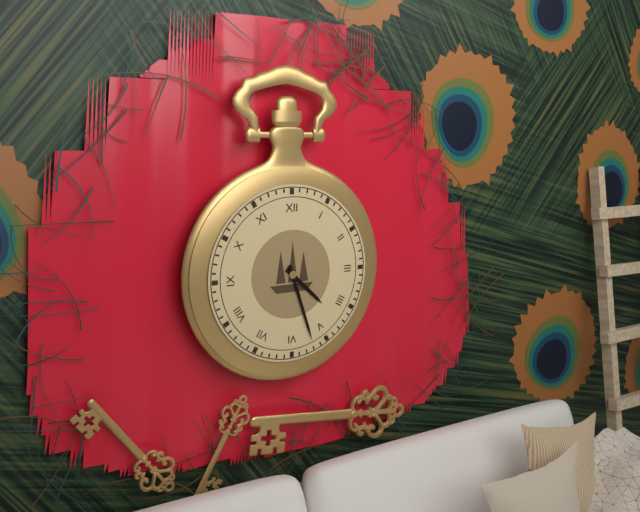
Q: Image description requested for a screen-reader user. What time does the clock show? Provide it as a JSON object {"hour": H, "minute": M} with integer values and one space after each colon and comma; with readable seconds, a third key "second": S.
{"hour": 4, "minute": 27}
